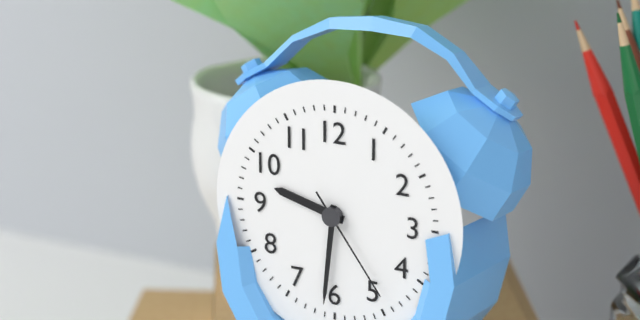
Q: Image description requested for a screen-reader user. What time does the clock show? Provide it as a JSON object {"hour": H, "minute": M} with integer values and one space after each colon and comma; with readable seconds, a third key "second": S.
{"hour": 9, "minute": 31, "second": 24}
